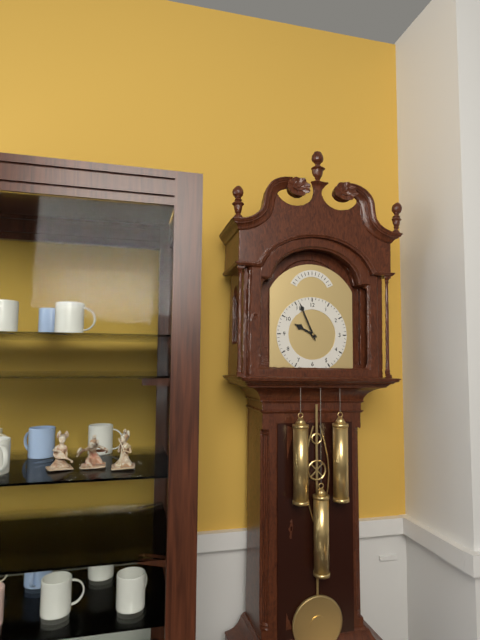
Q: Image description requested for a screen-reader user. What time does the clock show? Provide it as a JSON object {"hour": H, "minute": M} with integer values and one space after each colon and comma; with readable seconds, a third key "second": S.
{"hour": 9, "minute": 56}
